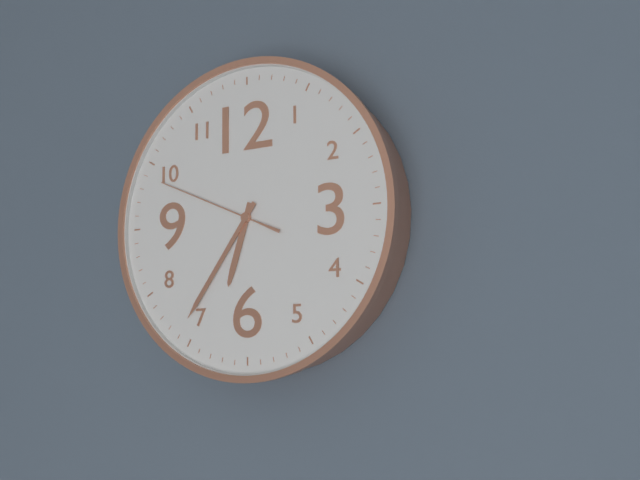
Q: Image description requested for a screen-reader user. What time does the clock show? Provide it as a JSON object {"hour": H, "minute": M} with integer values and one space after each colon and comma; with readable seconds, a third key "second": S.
{"hour": 6, "minute": 36, "second": 49}
